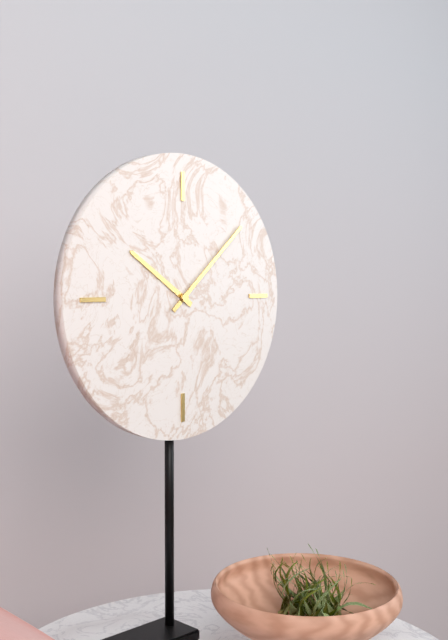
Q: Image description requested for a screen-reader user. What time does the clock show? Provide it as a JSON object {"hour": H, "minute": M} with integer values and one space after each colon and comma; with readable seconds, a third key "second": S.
{"hour": 10, "minute": 8}
